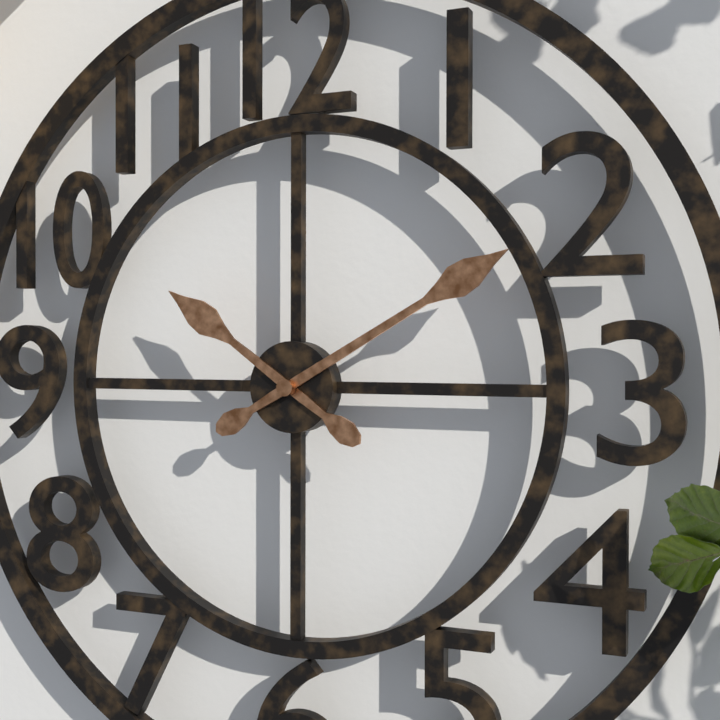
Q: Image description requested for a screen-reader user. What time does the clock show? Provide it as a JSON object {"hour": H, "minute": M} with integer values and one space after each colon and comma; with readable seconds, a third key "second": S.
{"hour": 10, "minute": 10}
